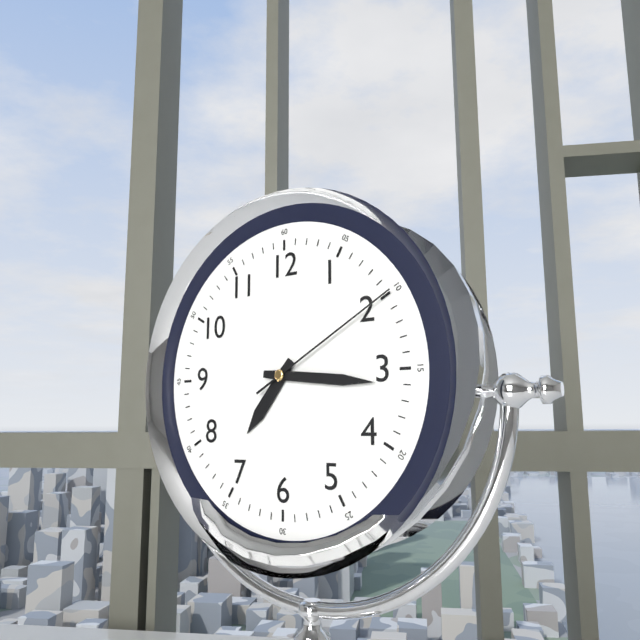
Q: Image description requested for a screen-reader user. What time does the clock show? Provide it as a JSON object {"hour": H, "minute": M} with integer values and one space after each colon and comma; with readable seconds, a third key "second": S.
{"hour": 7, "minute": 16, "second": 10}
